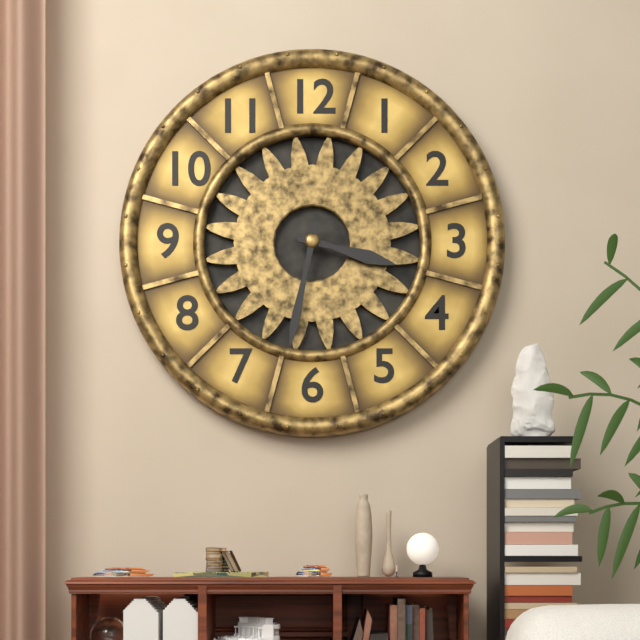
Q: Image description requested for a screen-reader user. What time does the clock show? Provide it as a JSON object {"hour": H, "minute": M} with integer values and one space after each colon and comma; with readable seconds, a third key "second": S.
{"hour": 3, "minute": 32}
